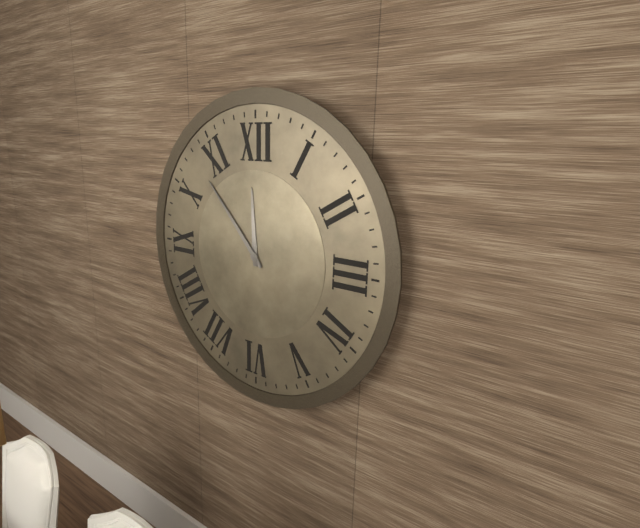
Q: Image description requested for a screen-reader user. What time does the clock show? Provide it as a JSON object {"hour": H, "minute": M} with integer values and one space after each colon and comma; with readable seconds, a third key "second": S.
{"hour": 11, "minute": 53}
